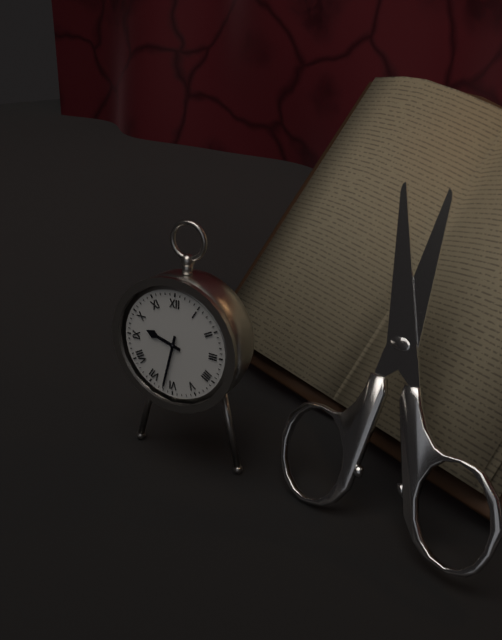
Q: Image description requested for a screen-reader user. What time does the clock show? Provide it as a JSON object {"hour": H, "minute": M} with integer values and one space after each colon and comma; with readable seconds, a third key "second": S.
{"hour": 9, "minute": 32}
